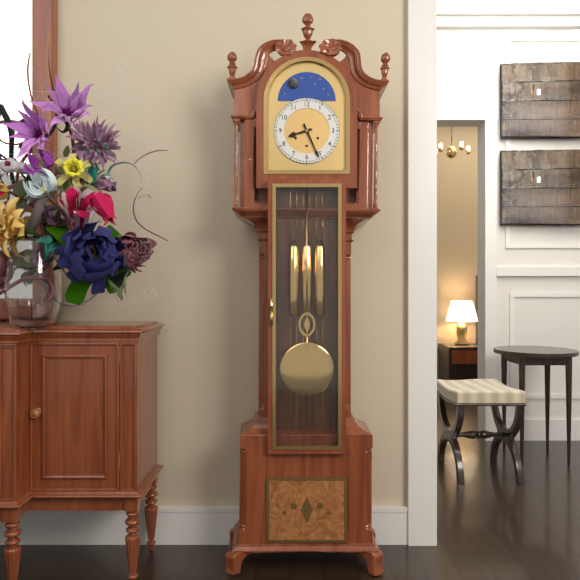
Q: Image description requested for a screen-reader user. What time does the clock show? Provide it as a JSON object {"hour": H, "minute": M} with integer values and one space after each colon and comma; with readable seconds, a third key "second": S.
{"hour": 8, "minute": 26}
